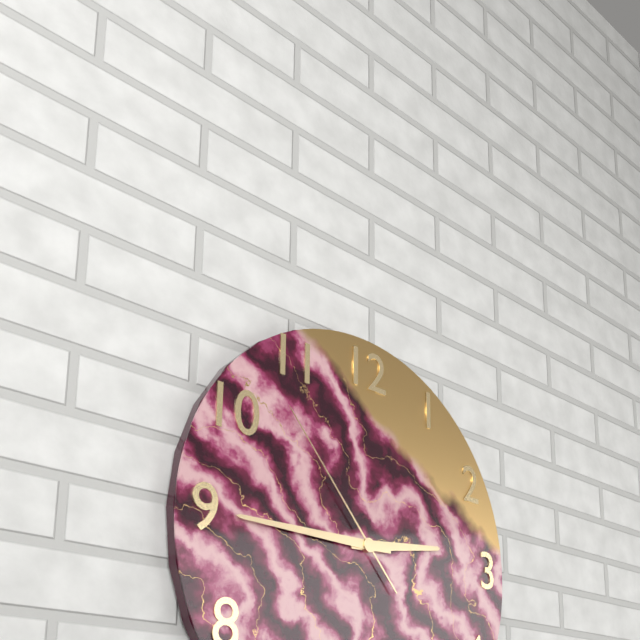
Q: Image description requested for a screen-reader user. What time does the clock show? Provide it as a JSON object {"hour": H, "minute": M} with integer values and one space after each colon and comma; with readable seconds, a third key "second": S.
{"hour": 2, "minute": 45, "second": 53}
